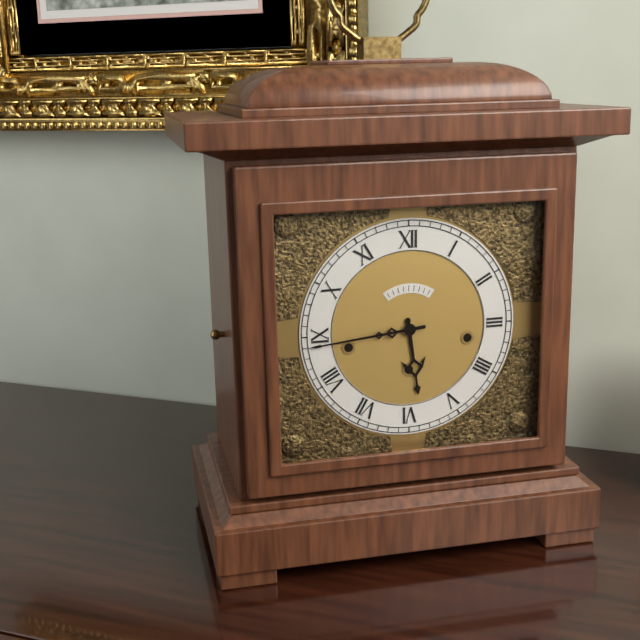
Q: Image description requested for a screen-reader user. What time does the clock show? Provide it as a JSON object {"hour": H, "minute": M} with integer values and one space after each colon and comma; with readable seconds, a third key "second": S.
{"hour": 5, "minute": 44}
